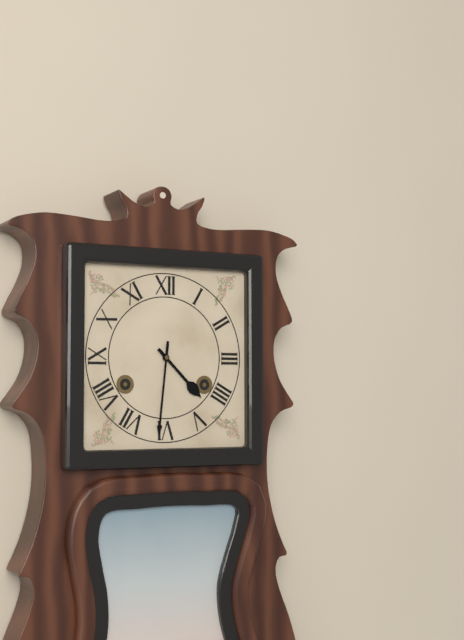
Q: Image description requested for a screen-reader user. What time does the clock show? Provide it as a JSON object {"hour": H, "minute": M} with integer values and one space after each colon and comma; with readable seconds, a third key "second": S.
{"hour": 4, "minute": 31}
